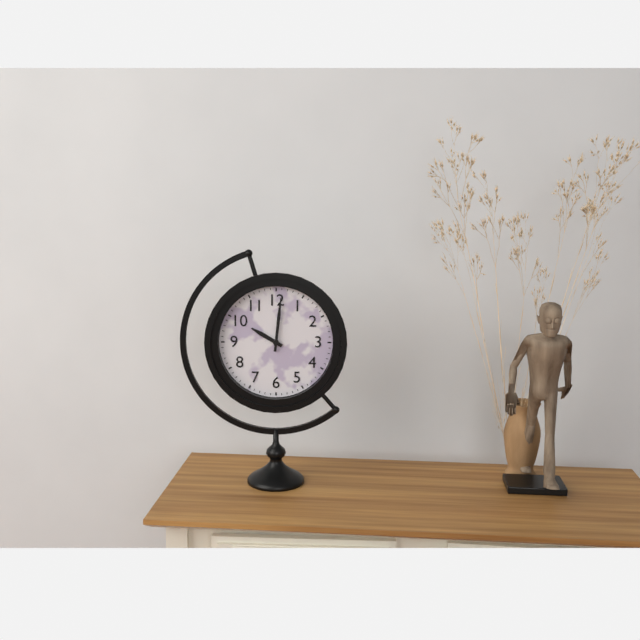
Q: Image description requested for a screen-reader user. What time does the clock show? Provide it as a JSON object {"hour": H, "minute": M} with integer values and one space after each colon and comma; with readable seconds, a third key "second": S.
{"hour": 10, "minute": 1}
